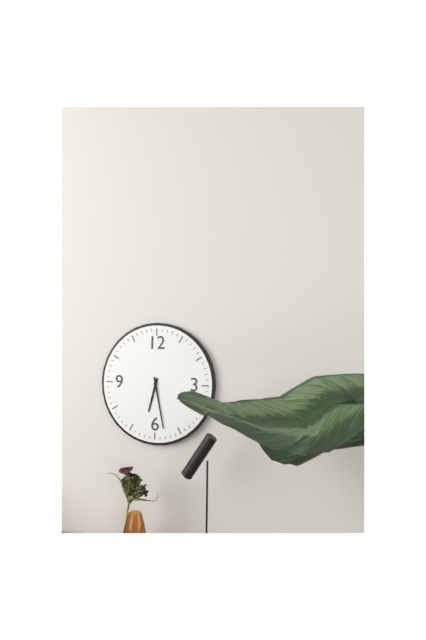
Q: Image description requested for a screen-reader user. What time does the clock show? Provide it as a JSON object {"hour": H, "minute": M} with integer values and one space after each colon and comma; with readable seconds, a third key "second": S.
{"hour": 6, "minute": 28}
